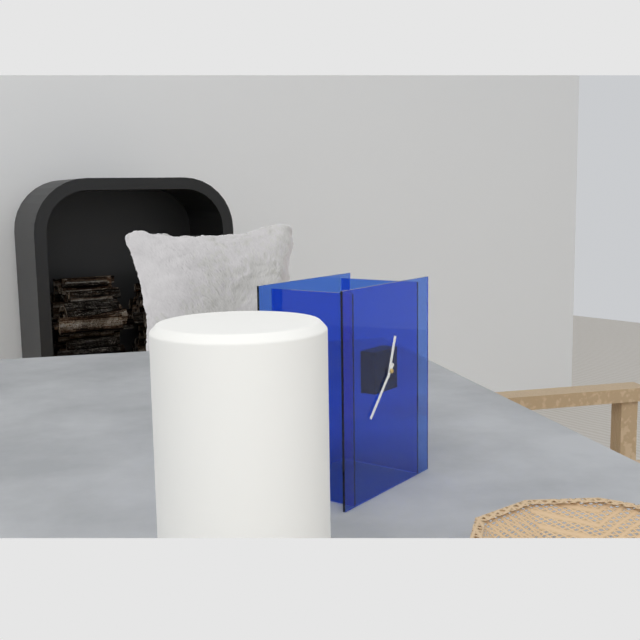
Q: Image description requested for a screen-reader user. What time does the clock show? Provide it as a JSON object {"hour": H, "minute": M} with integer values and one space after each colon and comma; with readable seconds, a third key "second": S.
{"hour": 12, "minute": 37}
